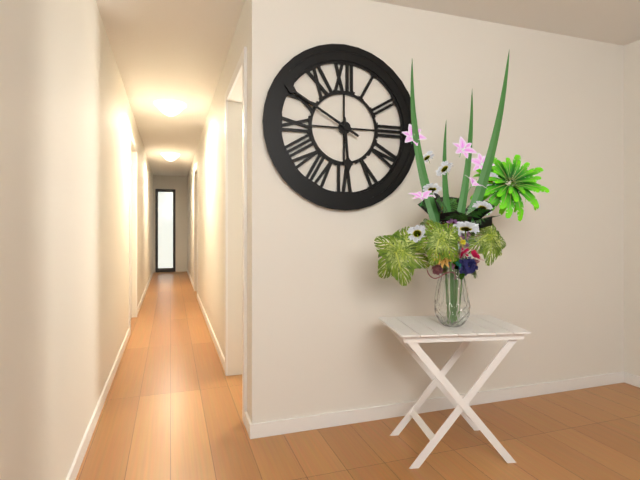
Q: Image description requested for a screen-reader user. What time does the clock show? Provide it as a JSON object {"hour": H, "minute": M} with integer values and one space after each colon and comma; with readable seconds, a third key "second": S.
{"hour": 5, "minute": 50}
